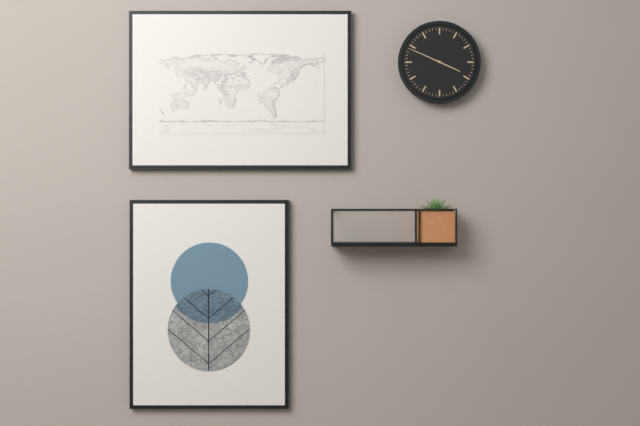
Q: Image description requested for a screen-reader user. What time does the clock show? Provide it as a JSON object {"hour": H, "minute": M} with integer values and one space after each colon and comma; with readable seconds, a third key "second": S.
{"hour": 3, "minute": 49}
